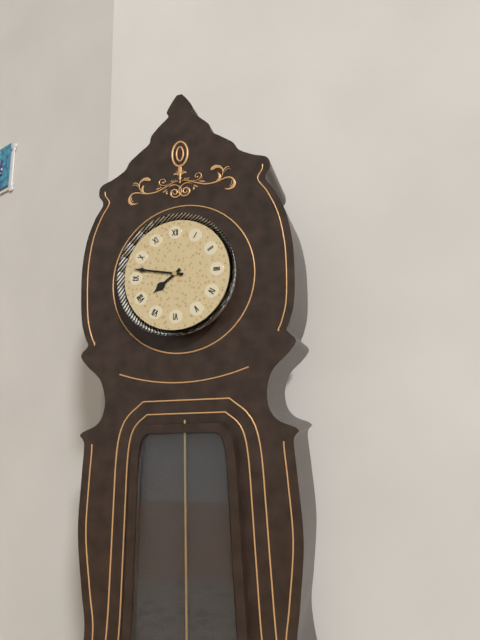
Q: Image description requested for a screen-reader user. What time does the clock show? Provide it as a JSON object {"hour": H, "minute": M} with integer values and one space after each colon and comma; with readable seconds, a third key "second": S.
{"hour": 7, "minute": 47}
